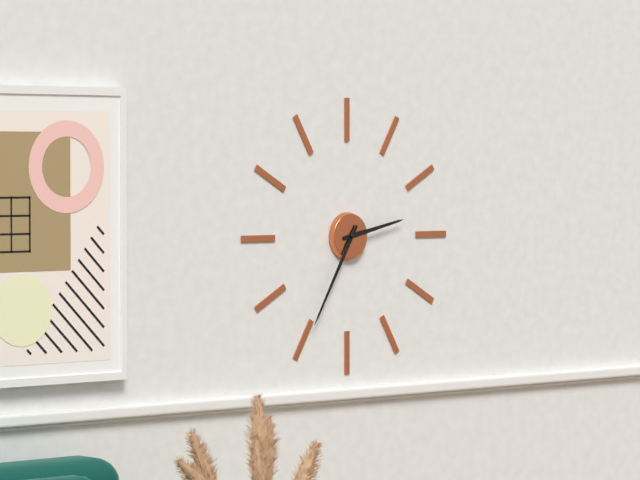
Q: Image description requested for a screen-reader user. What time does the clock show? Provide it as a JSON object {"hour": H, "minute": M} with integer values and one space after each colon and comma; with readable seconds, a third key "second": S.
{"hour": 2, "minute": 35}
